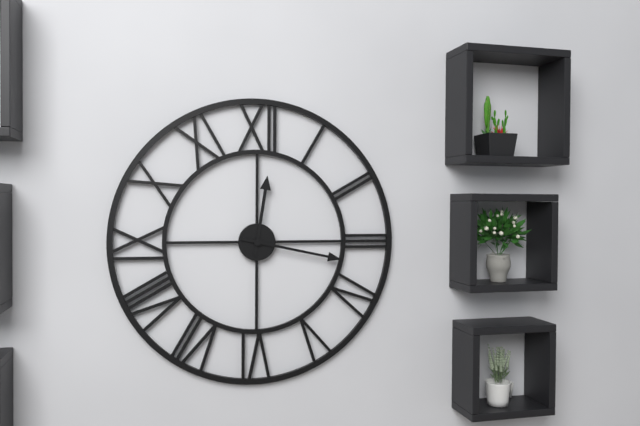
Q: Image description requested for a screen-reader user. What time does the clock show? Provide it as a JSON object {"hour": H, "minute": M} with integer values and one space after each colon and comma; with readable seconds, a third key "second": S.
{"hour": 12, "minute": 17}
